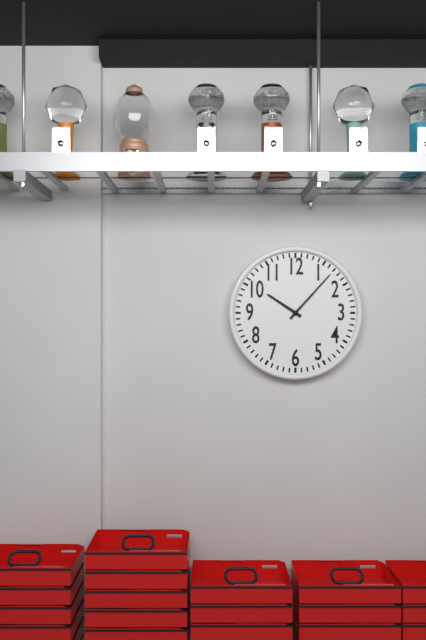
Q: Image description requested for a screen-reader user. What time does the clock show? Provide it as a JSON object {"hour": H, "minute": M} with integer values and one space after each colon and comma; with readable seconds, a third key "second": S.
{"hour": 10, "minute": 7}
